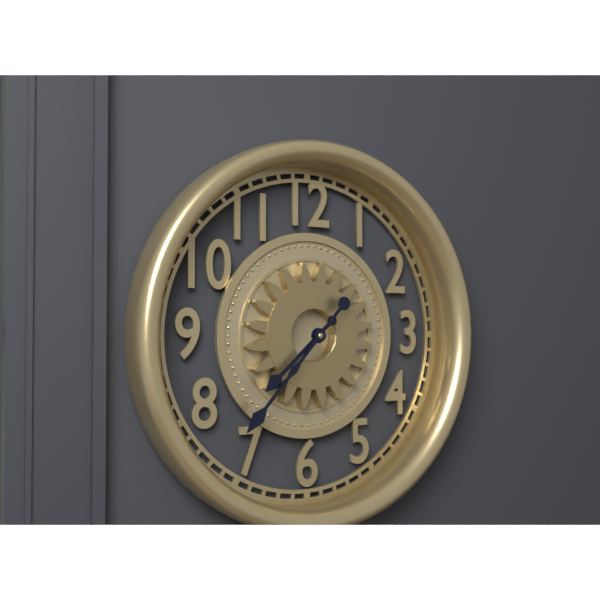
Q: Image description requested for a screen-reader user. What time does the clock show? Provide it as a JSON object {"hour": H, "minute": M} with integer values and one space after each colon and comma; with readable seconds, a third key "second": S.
{"hour": 7, "minute": 37}
